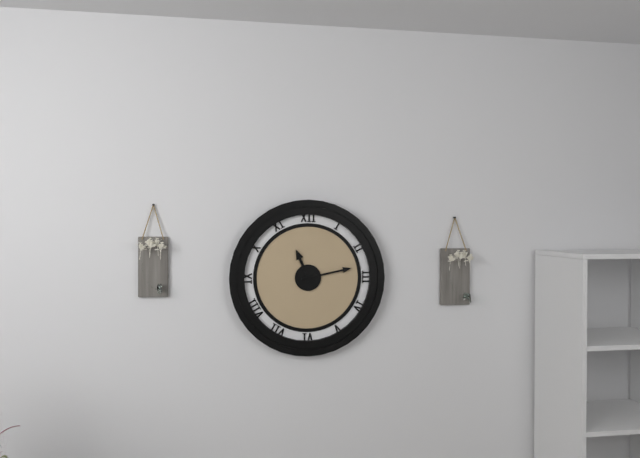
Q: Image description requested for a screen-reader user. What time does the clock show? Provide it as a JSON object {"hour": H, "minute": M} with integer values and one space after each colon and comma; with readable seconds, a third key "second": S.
{"hour": 11, "minute": 13}
